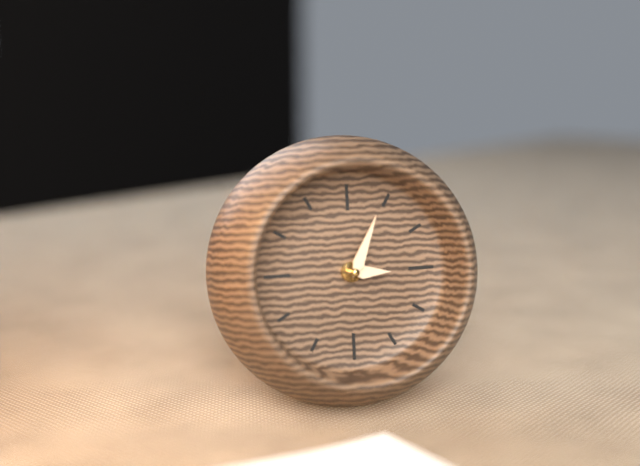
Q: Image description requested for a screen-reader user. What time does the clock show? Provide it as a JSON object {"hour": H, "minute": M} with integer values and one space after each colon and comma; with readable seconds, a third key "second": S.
{"hour": 3, "minute": 4}
